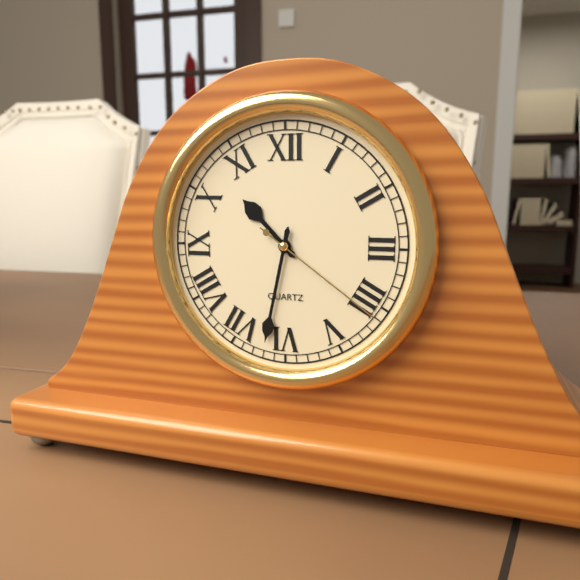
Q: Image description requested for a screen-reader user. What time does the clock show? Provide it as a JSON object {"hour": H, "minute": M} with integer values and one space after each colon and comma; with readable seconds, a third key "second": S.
{"hour": 10, "minute": 32, "second": 21}
